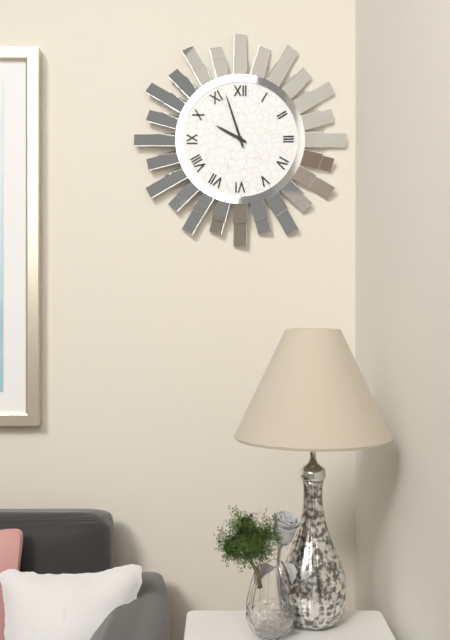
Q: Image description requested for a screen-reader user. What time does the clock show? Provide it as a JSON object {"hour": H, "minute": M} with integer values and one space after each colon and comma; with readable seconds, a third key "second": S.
{"hour": 9, "minute": 57}
